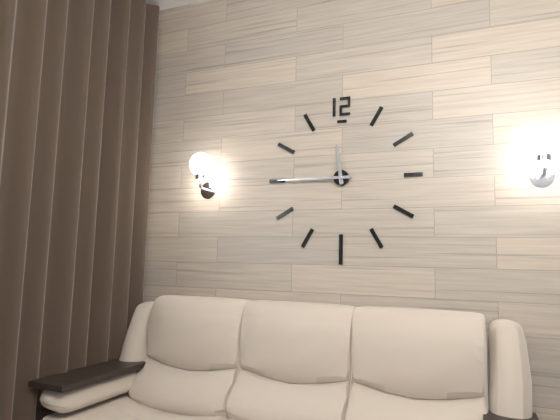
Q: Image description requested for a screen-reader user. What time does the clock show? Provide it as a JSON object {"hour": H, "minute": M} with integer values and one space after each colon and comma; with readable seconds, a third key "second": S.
{"hour": 11, "minute": 45}
